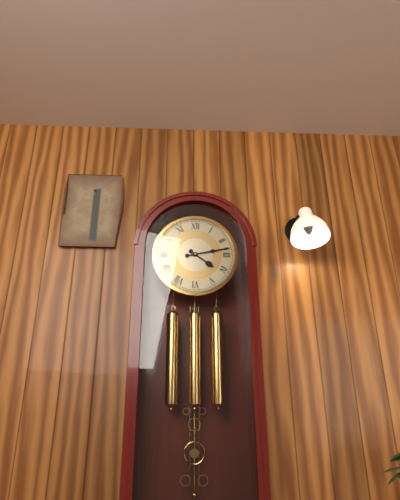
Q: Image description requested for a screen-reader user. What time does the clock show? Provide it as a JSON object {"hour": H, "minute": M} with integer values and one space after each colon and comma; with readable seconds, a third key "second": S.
{"hour": 4, "minute": 13}
